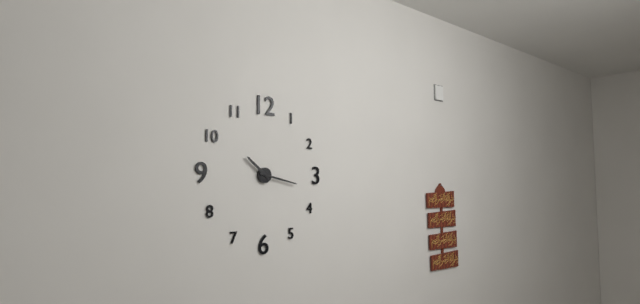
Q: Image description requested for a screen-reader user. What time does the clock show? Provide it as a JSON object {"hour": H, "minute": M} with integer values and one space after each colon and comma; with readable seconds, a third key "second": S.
{"hour": 10, "minute": 17}
